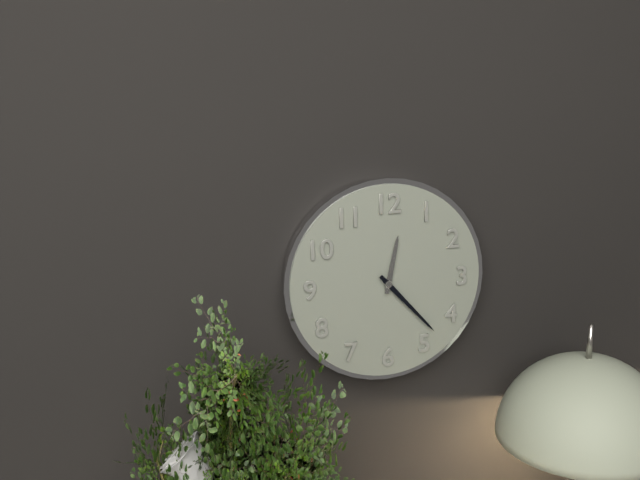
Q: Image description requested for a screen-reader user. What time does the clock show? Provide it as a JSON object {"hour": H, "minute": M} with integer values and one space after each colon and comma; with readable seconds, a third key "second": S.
{"hour": 12, "minute": 23}
